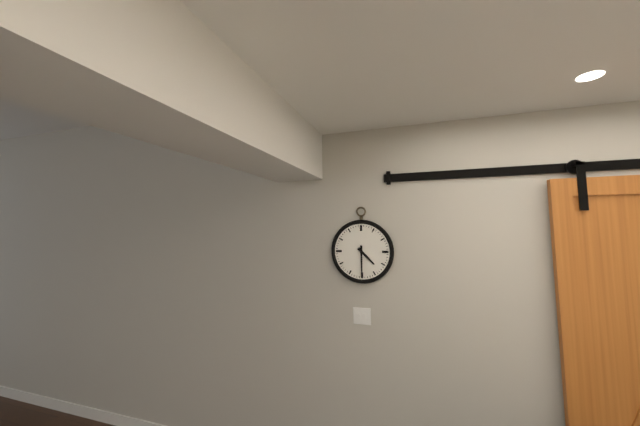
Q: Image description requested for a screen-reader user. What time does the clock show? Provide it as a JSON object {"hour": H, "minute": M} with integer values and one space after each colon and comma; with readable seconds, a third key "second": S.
{"hour": 4, "minute": 30}
